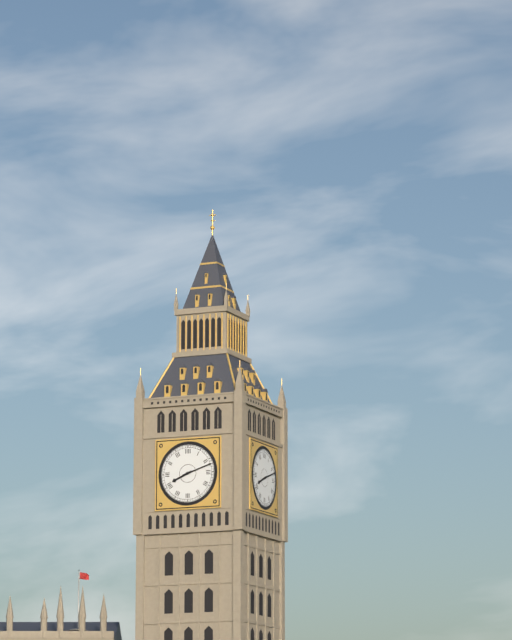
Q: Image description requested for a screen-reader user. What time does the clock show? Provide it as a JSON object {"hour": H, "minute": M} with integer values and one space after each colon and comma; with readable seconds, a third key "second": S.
{"hour": 8, "minute": 12}
